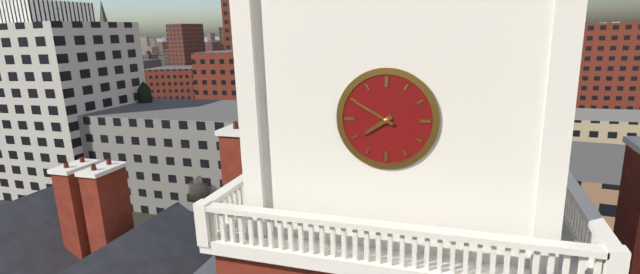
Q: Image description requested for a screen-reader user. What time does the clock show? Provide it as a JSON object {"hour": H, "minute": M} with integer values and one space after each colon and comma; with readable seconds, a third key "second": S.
{"hour": 7, "minute": 50}
